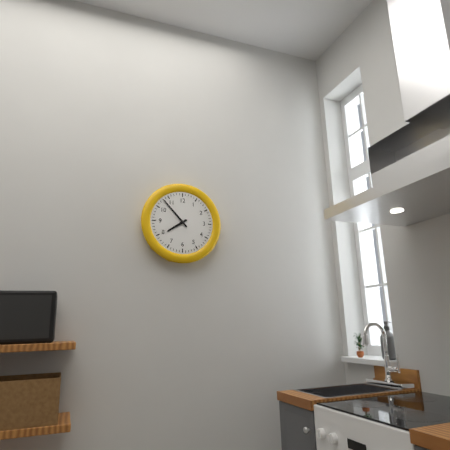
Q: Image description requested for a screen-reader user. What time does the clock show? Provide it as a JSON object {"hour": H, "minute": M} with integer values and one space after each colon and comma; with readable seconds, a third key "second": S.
{"hour": 7, "minute": 53}
